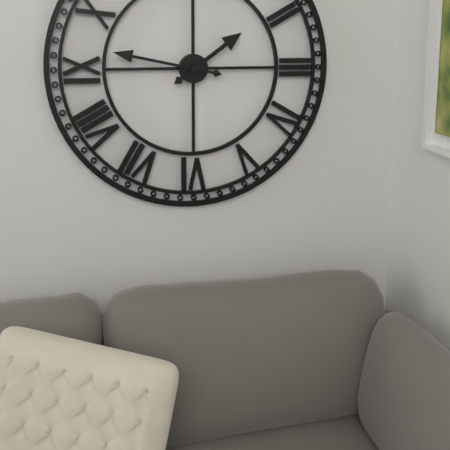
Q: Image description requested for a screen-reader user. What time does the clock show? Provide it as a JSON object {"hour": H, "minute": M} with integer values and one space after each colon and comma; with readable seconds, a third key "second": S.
{"hour": 1, "minute": 47}
